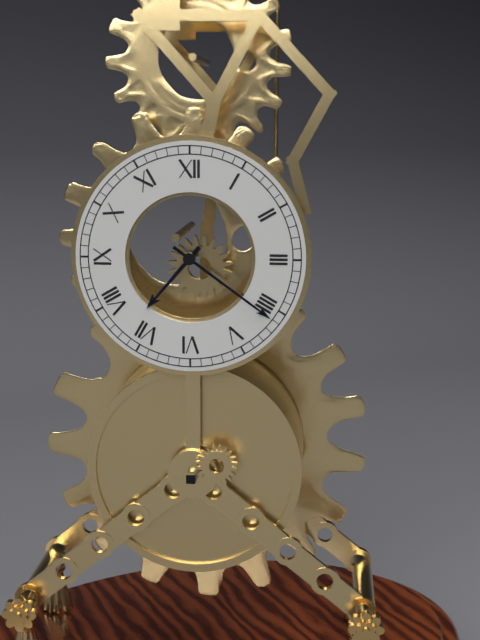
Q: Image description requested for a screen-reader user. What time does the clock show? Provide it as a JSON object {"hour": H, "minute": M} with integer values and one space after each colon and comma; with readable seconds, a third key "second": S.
{"hour": 7, "minute": 21}
